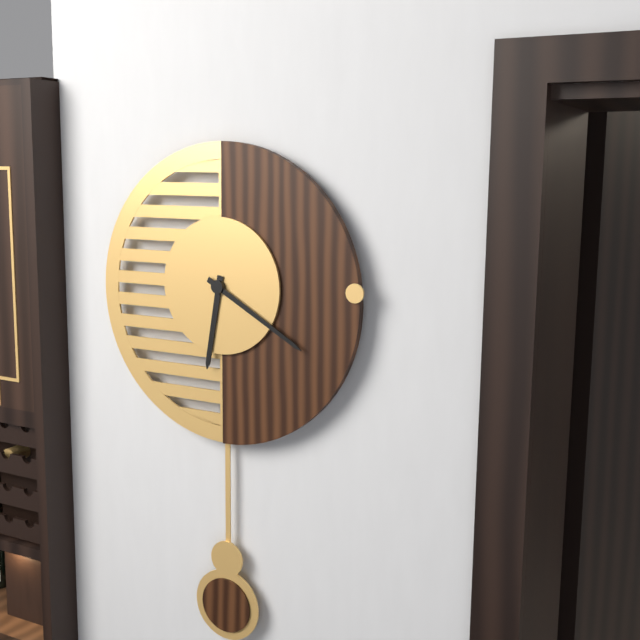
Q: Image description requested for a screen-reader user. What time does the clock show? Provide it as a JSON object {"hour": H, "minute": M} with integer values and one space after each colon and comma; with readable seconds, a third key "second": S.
{"hour": 6, "minute": 20}
